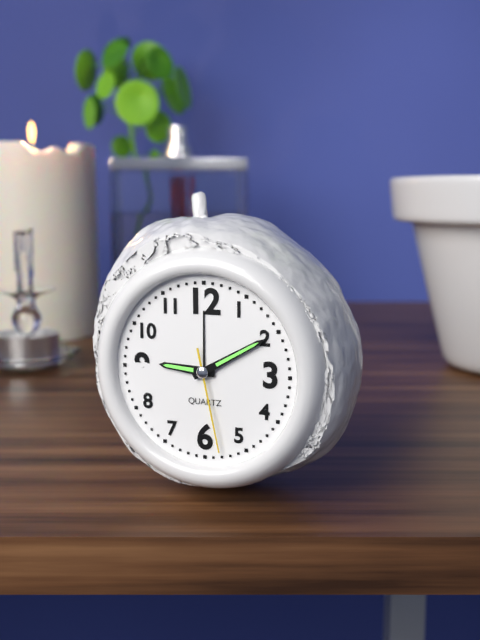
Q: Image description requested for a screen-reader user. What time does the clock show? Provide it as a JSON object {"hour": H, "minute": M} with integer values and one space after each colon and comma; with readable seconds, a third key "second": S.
{"hour": 9, "minute": 10, "second": 28}
